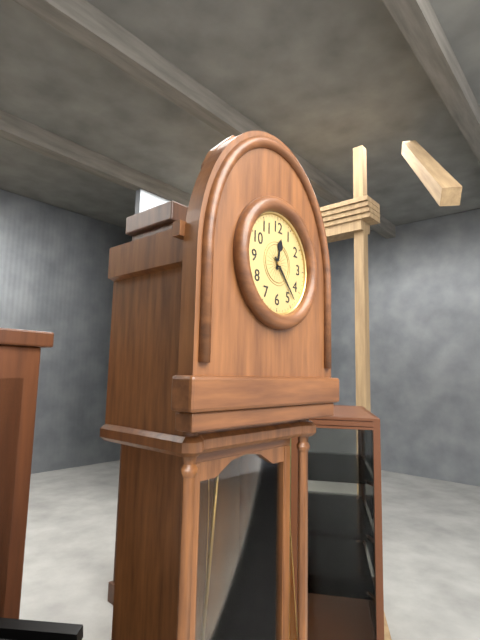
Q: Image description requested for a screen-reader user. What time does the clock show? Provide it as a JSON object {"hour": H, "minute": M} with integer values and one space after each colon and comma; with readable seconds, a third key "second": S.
{"hour": 12, "minute": 23}
